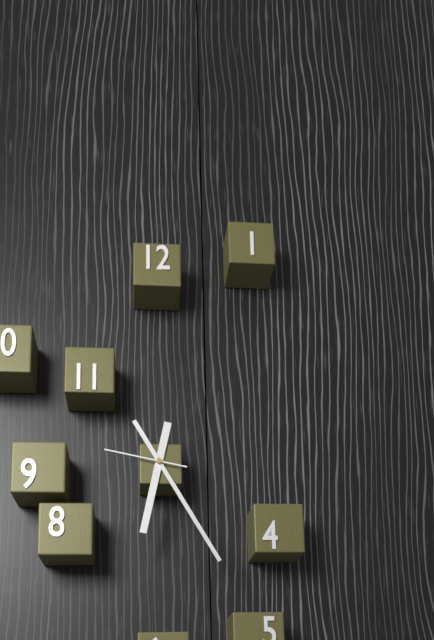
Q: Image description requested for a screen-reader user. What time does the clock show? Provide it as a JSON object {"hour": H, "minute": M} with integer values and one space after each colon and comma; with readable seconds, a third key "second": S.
{"hour": 6, "minute": 25, "second": 47}
